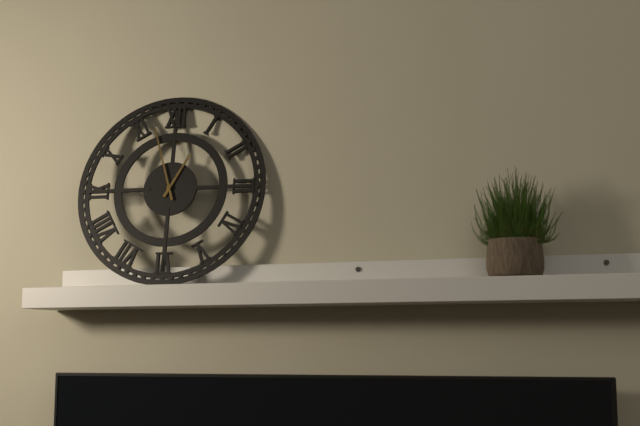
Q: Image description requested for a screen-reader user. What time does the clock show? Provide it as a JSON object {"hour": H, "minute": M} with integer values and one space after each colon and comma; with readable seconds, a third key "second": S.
{"hour": 12, "minute": 57}
